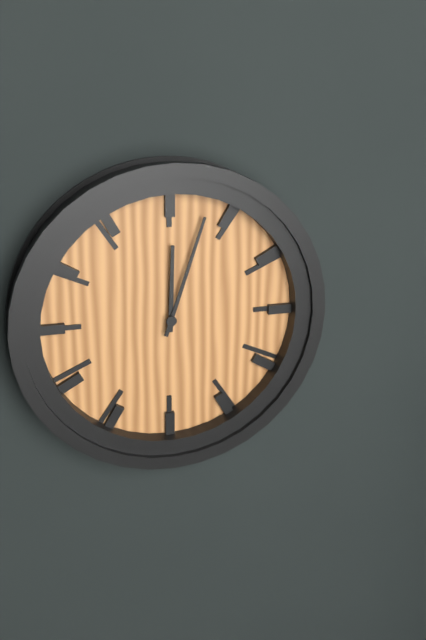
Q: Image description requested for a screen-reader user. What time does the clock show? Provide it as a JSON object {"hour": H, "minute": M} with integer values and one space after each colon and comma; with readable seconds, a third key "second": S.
{"hour": 12, "minute": 3}
